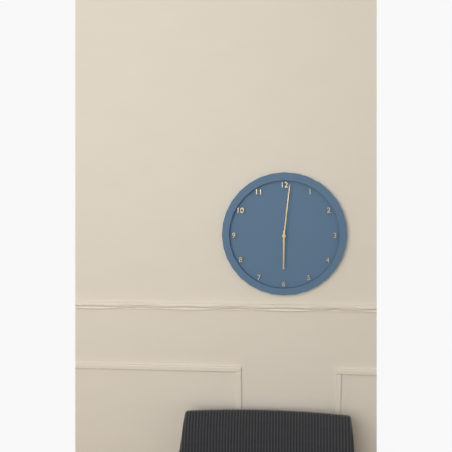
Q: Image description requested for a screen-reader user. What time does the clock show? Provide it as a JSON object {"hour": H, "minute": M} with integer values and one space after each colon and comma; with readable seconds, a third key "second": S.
{"hour": 6, "minute": 1}
